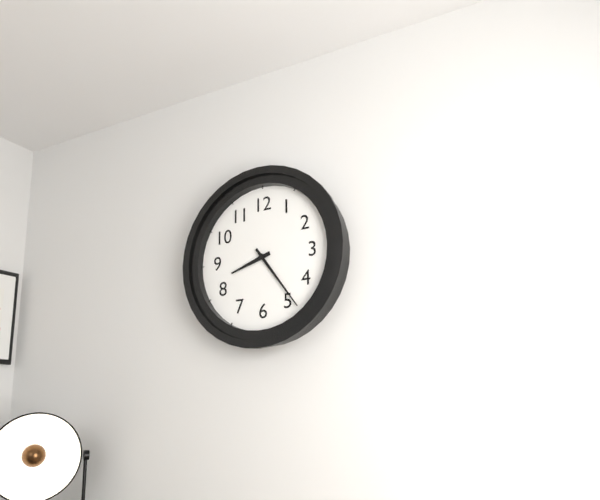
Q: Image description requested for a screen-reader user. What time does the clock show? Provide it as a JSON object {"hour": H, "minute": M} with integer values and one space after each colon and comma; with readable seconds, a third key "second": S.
{"hour": 8, "minute": 24}
